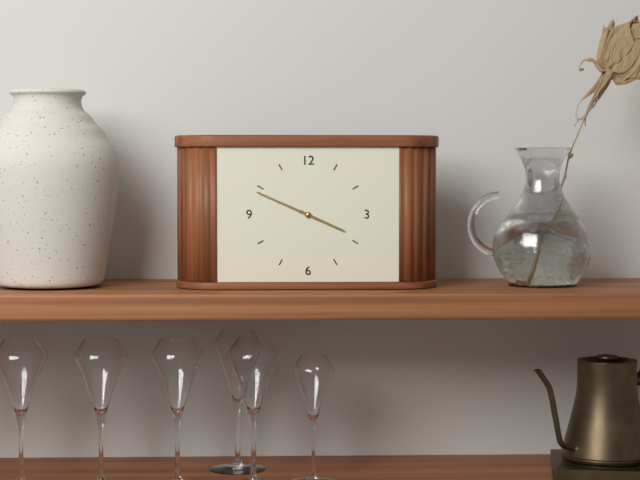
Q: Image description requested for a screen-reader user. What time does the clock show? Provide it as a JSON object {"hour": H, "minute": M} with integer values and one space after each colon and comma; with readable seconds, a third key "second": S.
{"hour": 3, "minute": 49}
